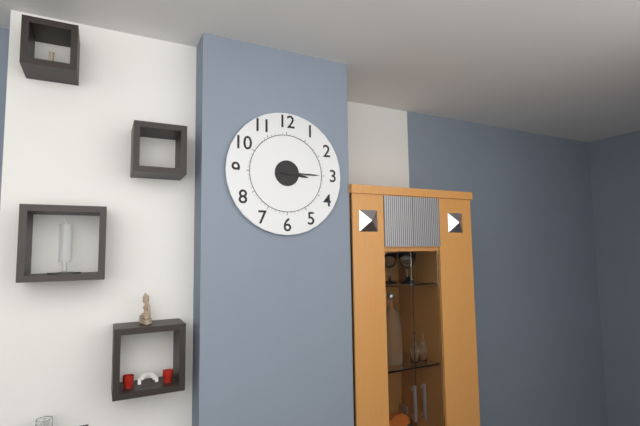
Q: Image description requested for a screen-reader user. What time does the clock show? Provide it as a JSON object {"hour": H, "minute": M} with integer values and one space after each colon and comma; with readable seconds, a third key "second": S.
{"hour": 3, "minute": 15}
